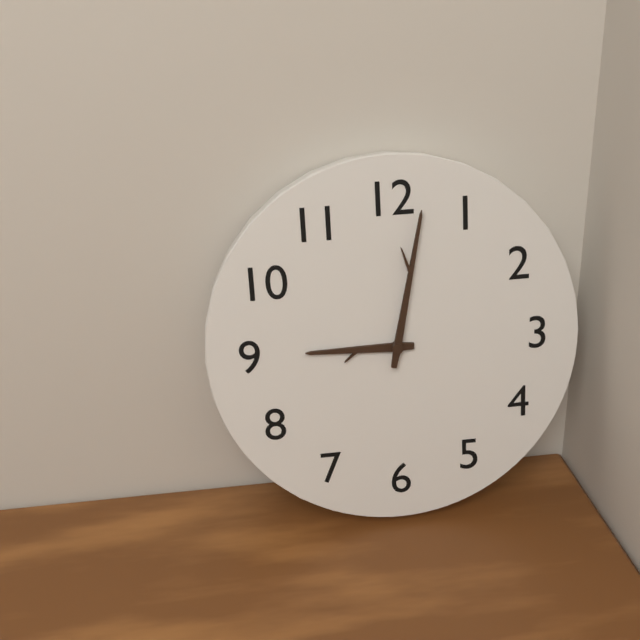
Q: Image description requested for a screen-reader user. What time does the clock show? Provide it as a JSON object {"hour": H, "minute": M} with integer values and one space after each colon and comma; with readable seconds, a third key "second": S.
{"hour": 9, "minute": 2}
